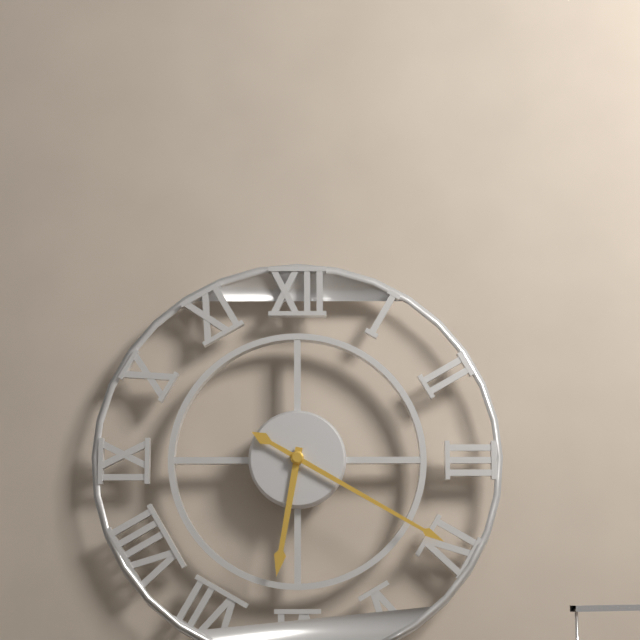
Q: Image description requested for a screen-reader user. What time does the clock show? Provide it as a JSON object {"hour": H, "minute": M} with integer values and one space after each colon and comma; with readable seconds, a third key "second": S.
{"hour": 6, "minute": 20}
